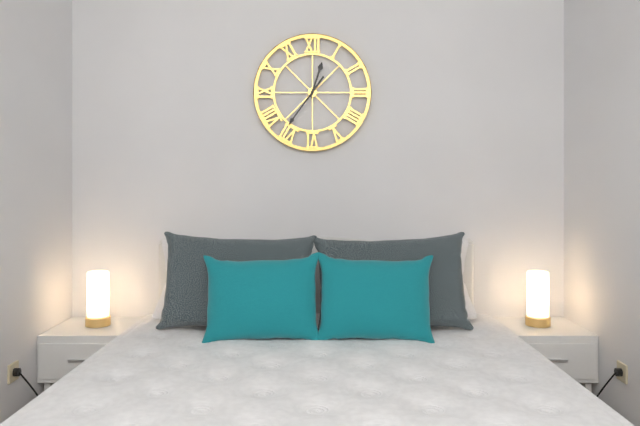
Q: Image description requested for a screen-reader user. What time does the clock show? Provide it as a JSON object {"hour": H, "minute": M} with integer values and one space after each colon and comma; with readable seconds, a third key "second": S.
{"hour": 12, "minute": 36}
